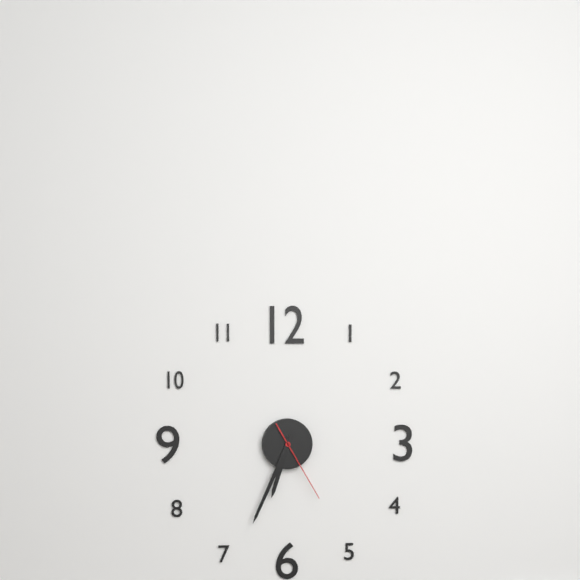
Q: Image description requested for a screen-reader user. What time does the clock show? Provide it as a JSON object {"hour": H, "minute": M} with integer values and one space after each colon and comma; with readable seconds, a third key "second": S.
{"hour": 6, "minute": 34, "second": 25}
